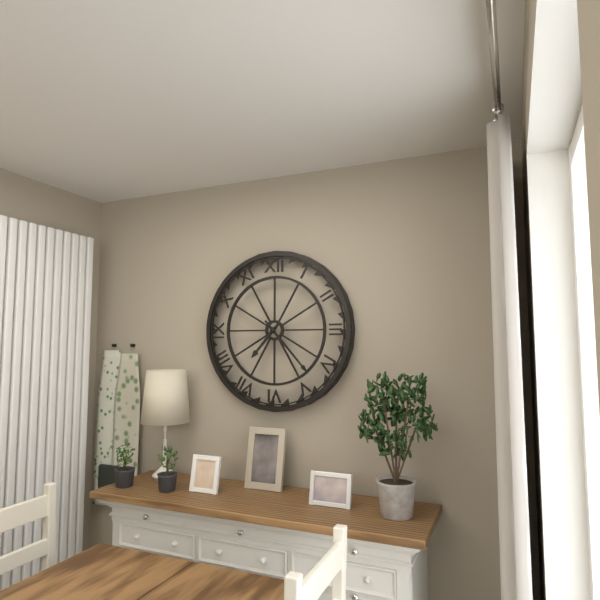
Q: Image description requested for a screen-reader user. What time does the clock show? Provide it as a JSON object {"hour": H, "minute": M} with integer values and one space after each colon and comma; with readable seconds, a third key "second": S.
{"hour": 7, "minute": 23}
